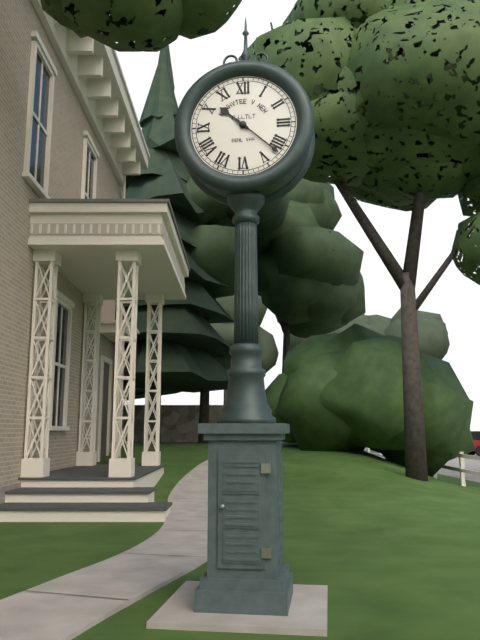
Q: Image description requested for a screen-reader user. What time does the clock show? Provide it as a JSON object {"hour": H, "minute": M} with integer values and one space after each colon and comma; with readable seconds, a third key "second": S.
{"hour": 10, "minute": 22}
